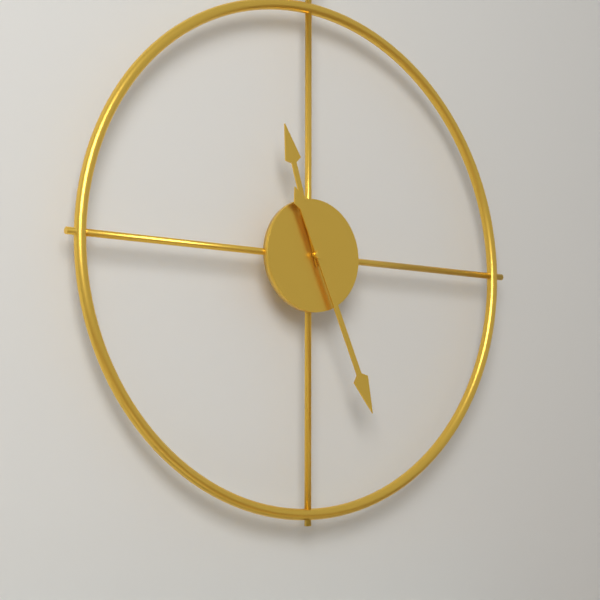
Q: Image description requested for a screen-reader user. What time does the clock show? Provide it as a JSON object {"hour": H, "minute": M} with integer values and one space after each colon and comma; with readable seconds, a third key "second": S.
{"hour": 11, "minute": 26}
